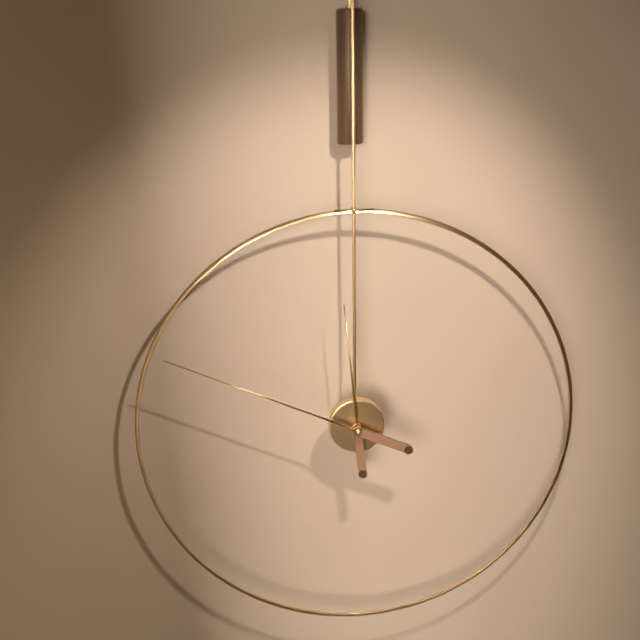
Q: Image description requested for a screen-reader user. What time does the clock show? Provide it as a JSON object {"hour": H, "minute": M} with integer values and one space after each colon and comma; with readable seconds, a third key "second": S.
{"hour": 11, "minute": 49}
